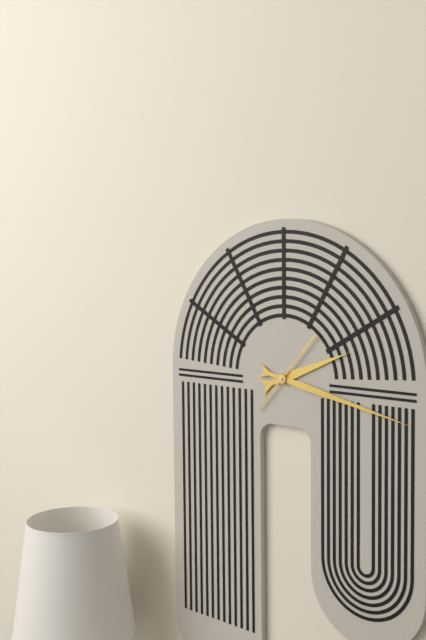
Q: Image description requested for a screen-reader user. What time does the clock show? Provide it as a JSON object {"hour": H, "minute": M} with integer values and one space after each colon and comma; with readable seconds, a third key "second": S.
{"hour": 2, "minute": 17, "second": 7}
